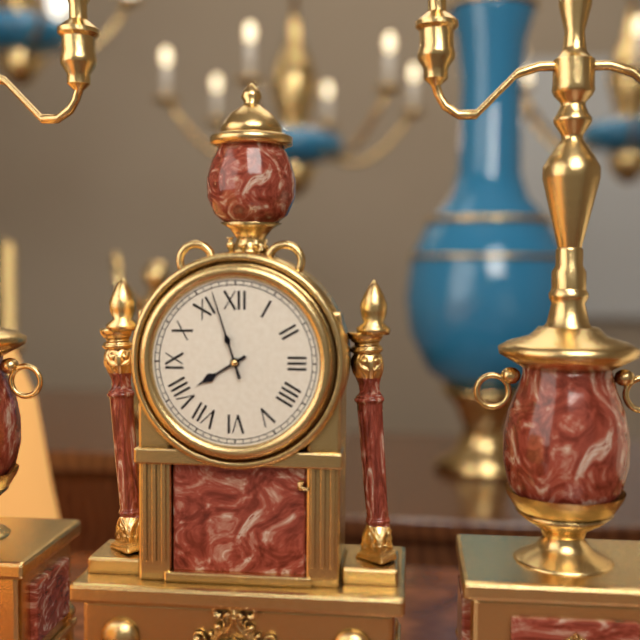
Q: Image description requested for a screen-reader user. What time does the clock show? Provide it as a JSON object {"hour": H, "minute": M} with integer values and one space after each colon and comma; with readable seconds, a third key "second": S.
{"hour": 7, "minute": 57}
